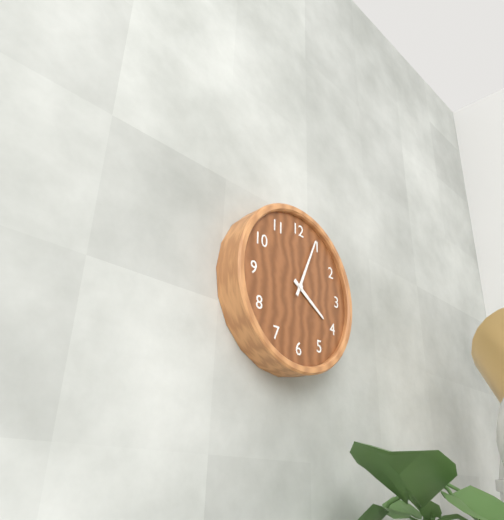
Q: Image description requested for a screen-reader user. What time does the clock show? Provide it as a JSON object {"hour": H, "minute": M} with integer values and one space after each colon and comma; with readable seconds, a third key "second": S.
{"hour": 4, "minute": 4}
